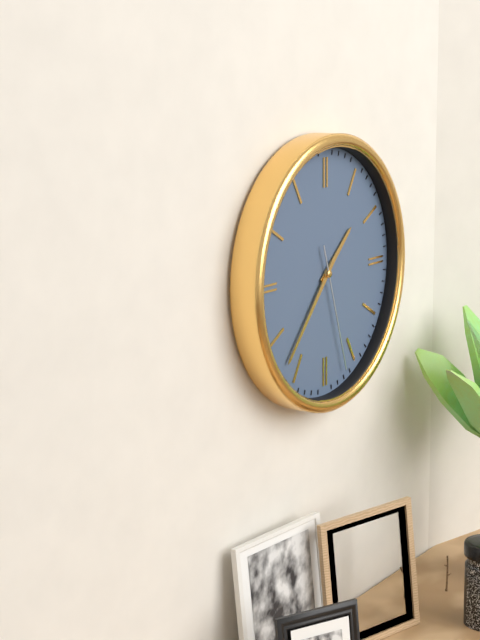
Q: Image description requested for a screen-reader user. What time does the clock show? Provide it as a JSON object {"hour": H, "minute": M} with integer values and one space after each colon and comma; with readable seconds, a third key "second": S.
{"hour": 1, "minute": 37, "second": 27}
